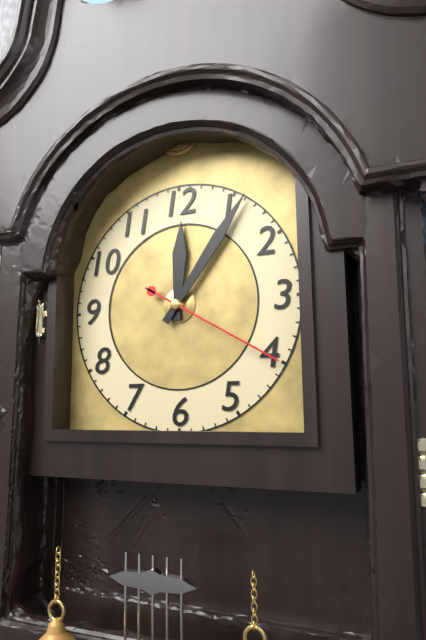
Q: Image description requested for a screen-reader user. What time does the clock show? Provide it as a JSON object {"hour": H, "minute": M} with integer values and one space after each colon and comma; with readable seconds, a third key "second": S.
{"hour": 12, "minute": 6, "second": 20}
